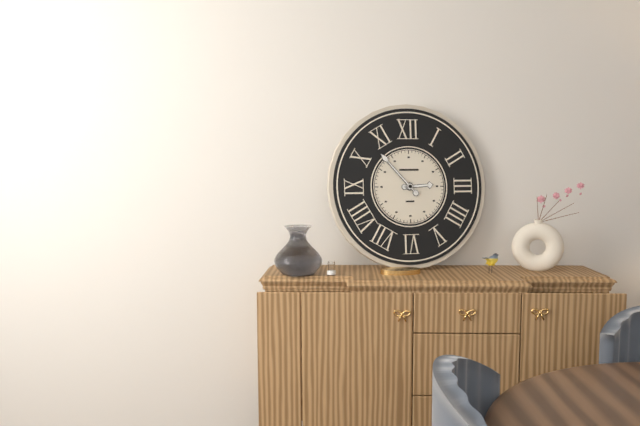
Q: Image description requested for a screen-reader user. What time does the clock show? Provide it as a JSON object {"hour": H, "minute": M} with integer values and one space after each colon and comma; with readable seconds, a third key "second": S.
{"hour": 2, "minute": 53}
